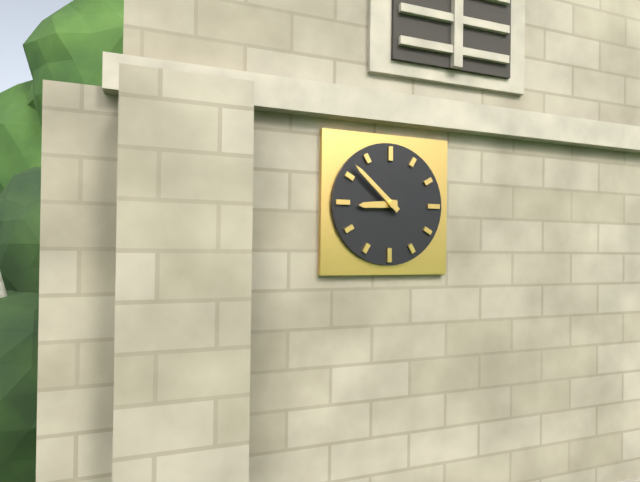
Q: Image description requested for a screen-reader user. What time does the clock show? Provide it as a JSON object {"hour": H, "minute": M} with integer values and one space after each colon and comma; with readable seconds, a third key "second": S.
{"hour": 8, "minute": 52}
